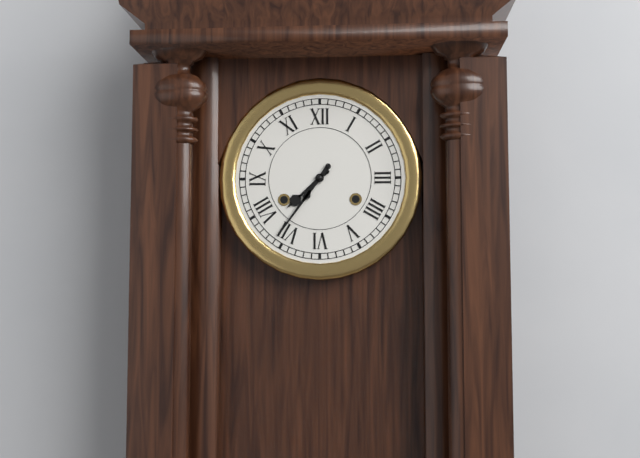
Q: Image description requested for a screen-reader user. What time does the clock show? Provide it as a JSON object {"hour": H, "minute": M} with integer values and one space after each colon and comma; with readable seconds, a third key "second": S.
{"hour": 7, "minute": 36}
